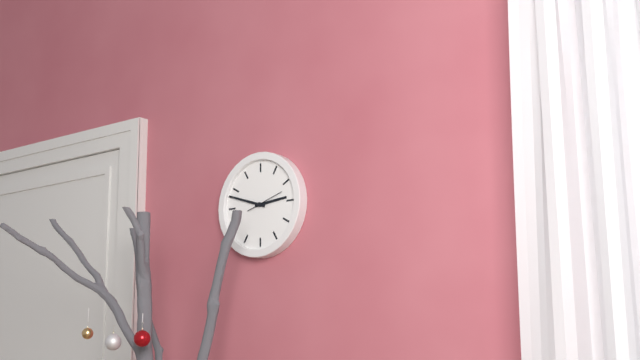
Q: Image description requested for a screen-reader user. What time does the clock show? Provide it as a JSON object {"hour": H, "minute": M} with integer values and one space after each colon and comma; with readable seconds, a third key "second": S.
{"hour": 2, "minute": 48}
